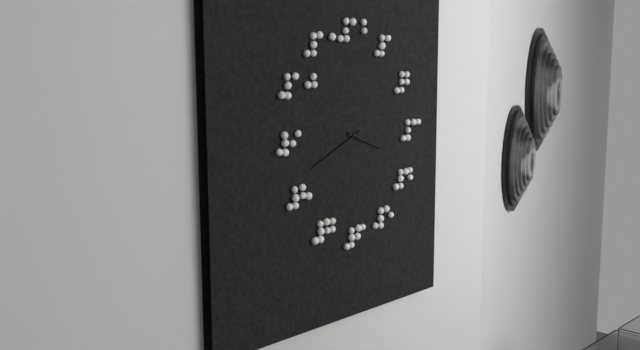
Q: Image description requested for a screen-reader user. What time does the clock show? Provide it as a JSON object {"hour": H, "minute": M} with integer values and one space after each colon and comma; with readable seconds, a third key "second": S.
{"hour": 3, "minute": 41}
